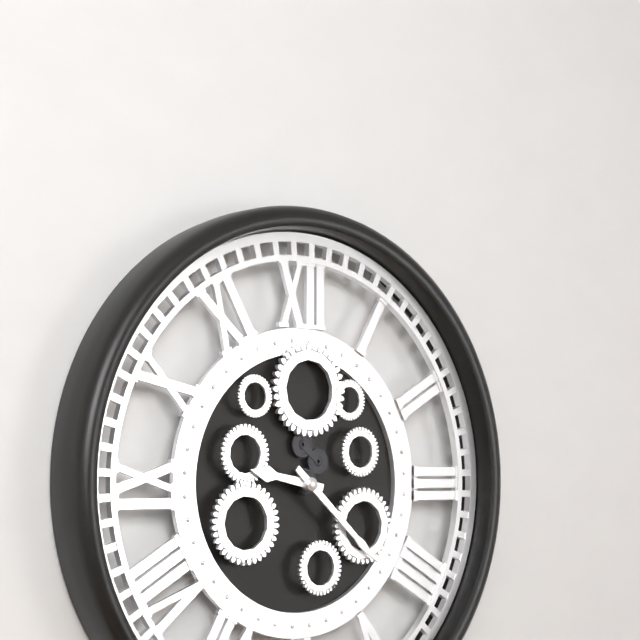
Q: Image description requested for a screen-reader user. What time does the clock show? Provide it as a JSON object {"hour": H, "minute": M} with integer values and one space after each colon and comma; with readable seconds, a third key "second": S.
{"hour": 9, "minute": 22}
